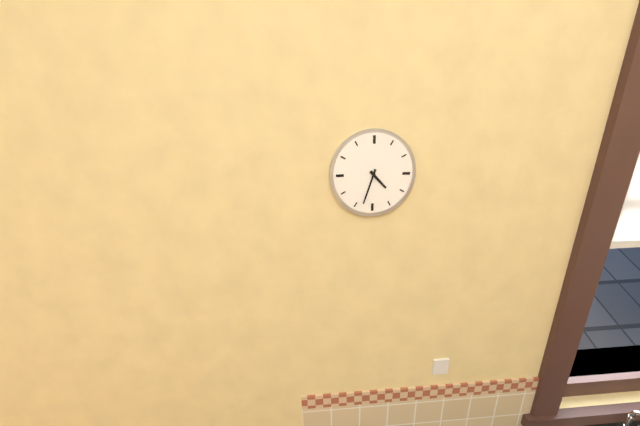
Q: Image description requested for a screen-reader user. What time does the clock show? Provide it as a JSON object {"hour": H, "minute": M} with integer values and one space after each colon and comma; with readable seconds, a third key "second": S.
{"hour": 4, "minute": 33}
